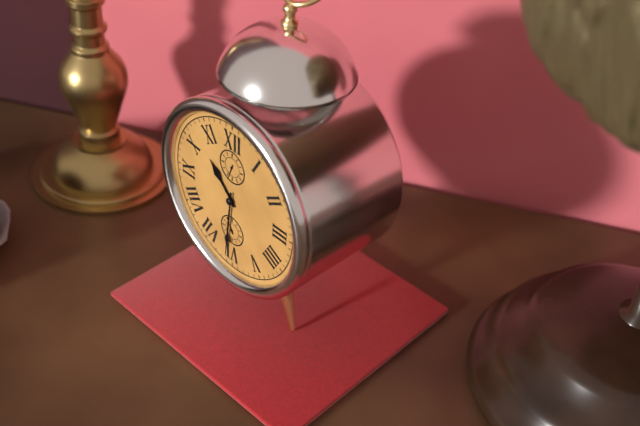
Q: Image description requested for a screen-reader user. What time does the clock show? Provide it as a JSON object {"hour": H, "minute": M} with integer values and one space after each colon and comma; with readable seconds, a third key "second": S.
{"hour": 10, "minute": 31}
